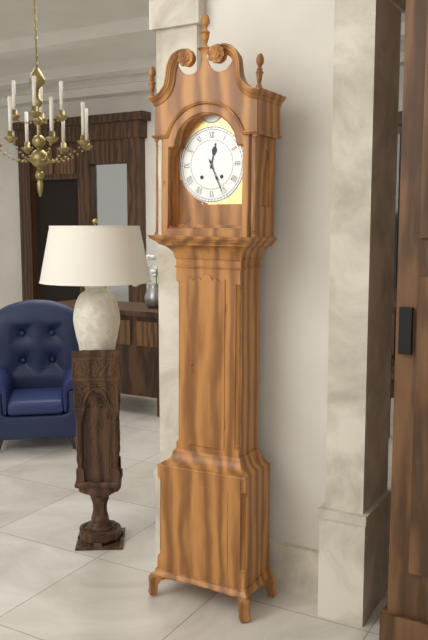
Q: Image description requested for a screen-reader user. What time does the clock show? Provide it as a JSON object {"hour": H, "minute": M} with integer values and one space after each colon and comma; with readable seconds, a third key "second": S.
{"hour": 12, "minute": 26}
